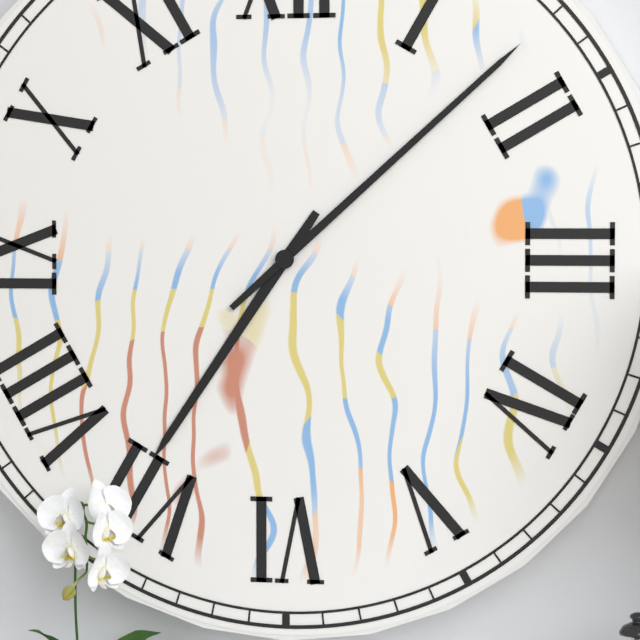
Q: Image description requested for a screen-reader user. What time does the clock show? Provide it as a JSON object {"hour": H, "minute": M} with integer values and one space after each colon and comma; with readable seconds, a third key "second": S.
{"hour": 7, "minute": 8}
